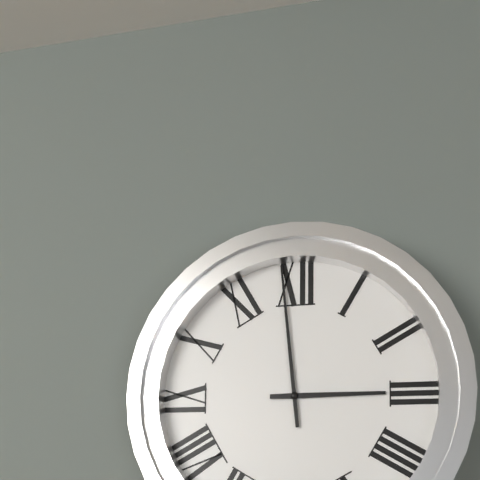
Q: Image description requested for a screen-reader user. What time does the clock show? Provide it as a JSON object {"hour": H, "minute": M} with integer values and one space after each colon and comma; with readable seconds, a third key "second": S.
{"hour": 2, "minute": 59}
